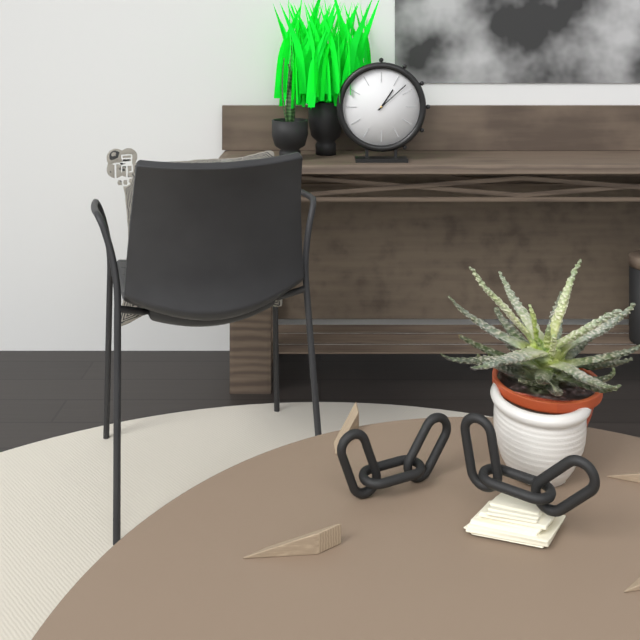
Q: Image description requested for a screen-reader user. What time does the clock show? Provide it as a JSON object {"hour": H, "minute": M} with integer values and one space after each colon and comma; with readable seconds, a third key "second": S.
{"hour": 1, "minute": 8}
